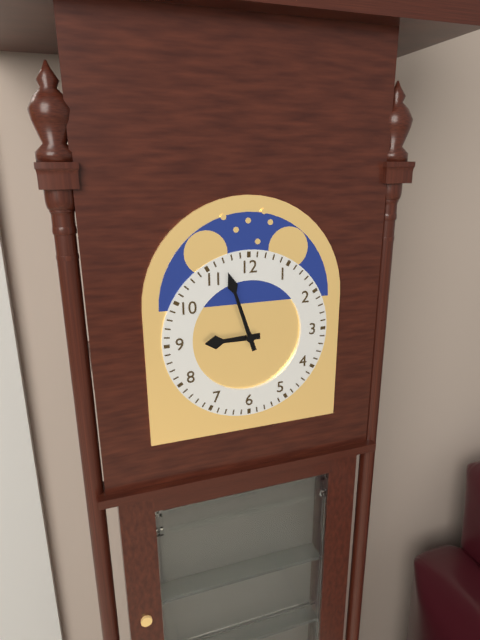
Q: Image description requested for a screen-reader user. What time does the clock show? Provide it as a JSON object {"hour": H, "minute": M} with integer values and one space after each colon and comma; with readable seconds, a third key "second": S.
{"hour": 8, "minute": 57}
